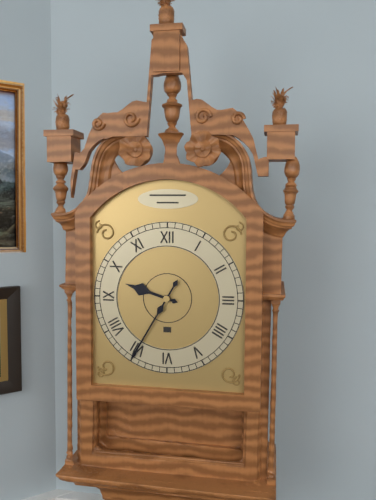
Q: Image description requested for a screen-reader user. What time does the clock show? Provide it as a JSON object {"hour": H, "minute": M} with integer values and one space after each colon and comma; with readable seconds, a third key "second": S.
{"hour": 9, "minute": 35}
